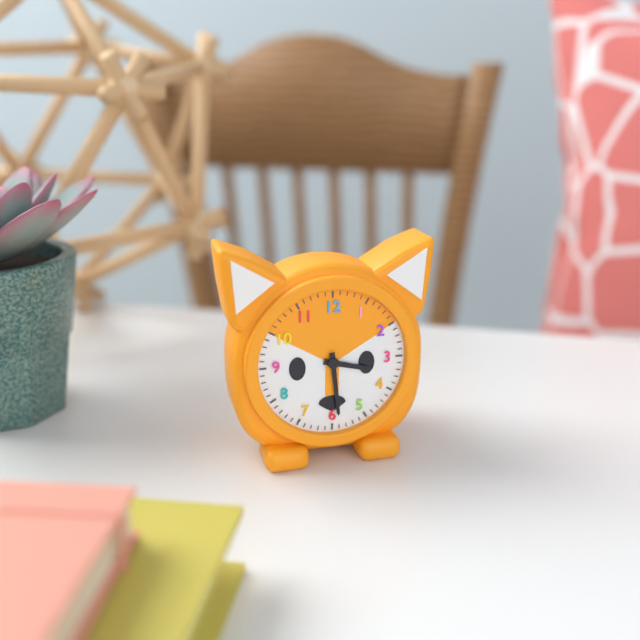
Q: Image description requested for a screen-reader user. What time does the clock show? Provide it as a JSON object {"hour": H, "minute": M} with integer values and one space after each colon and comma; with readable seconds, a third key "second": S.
{"hour": 3, "minute": 29}
